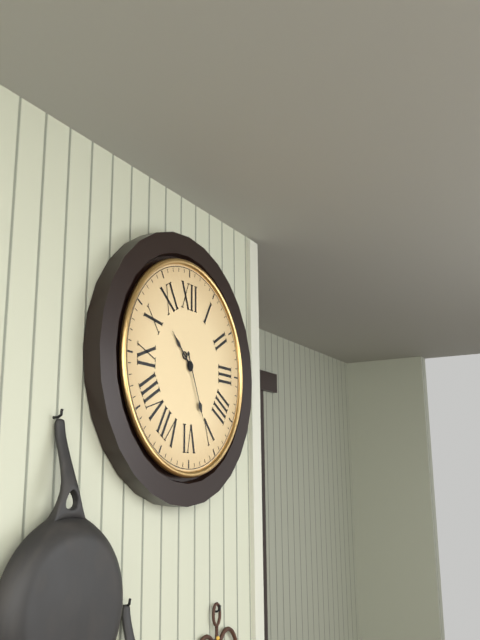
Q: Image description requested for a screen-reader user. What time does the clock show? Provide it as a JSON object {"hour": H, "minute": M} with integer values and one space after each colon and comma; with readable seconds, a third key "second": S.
{"hour": 10, "minute": 26}
